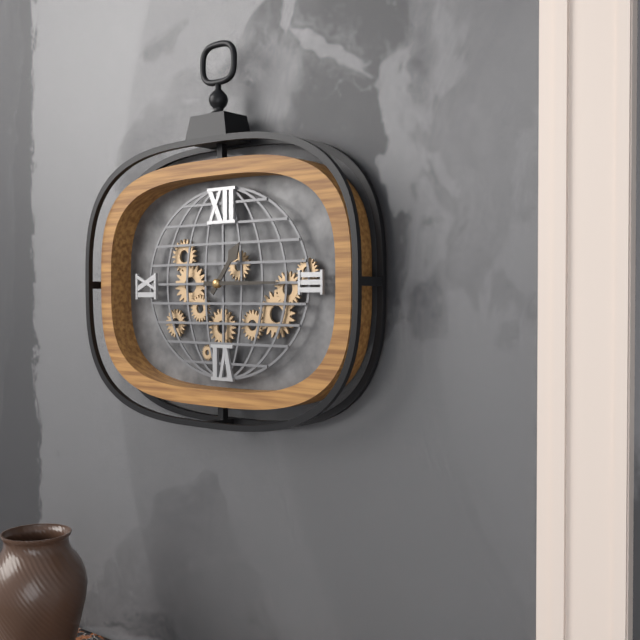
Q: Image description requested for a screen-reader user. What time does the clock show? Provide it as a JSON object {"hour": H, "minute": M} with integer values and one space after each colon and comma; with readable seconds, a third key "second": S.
{"hour": 1, "minute": 15}
